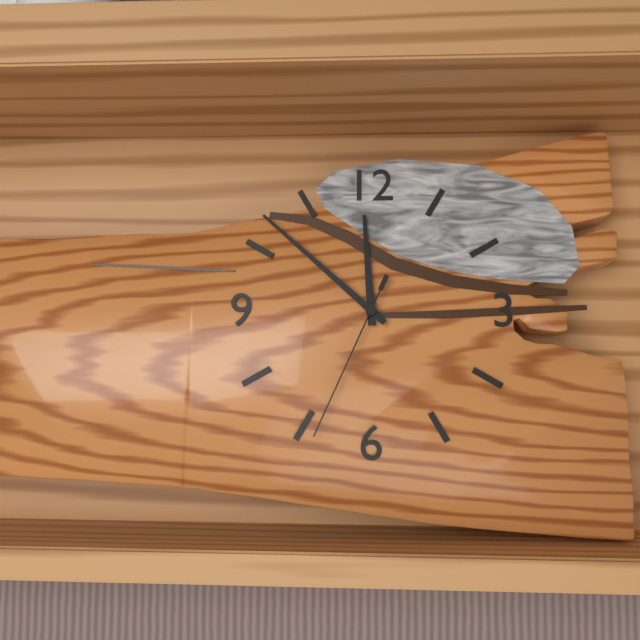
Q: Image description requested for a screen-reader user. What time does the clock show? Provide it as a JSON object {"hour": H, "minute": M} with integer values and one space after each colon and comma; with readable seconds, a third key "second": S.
{"hour": 11, "minute": 52, "second": 34}
